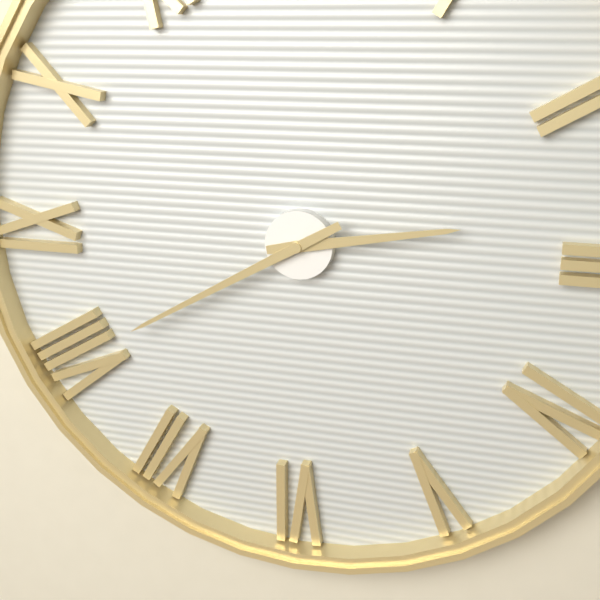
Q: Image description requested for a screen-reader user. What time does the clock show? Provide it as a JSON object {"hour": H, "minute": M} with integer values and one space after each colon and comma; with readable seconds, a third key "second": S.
{"hour": 2, "minute": 40}
